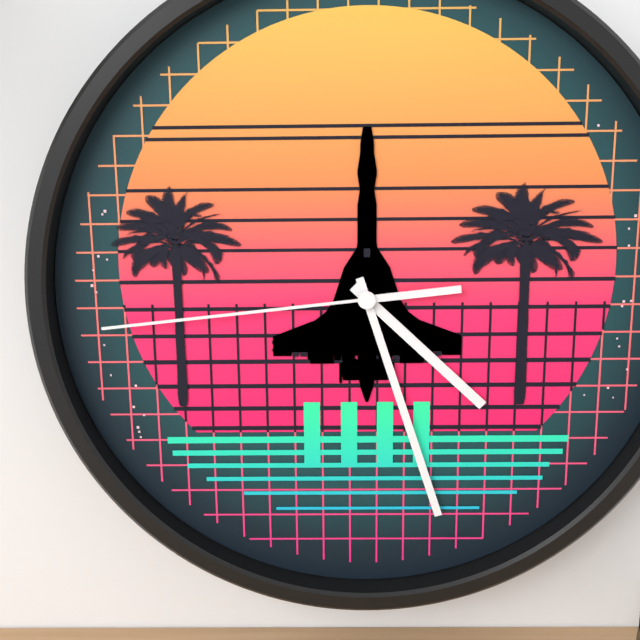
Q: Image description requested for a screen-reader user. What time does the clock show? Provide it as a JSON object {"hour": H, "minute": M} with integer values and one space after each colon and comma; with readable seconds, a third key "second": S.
{"hour": 4, "minute": 27, "second": 44}
